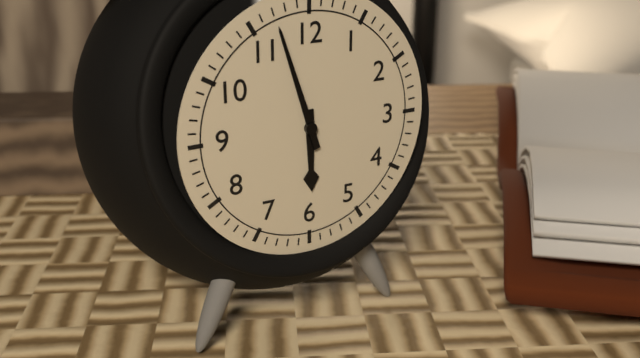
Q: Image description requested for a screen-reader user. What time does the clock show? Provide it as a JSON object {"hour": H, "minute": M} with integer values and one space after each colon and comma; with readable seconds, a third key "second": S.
{"hour": 5, "minute": 57}
